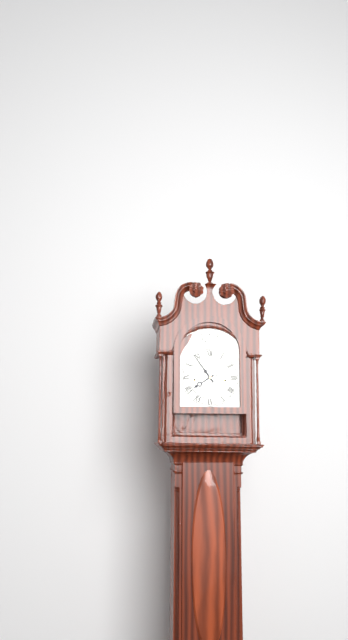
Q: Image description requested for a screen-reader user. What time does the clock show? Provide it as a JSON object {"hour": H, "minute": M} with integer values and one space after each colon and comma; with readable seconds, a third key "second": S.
{"hour": 7, "minute": 54}
